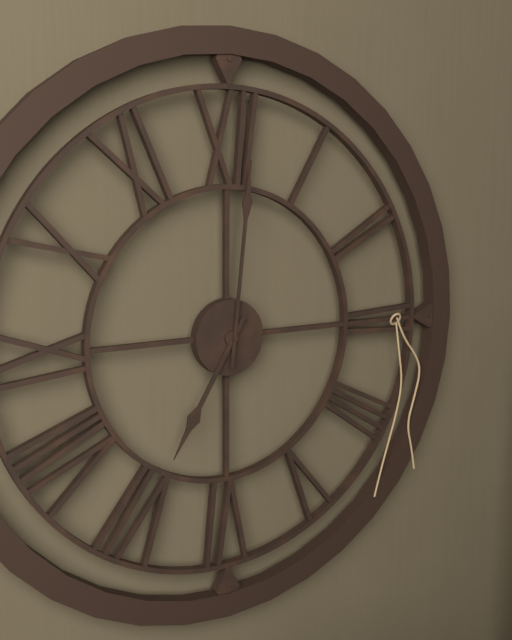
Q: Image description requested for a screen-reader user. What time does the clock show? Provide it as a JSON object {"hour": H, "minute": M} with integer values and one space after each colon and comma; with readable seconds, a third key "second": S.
{"hour": 7, "minute": 1}
